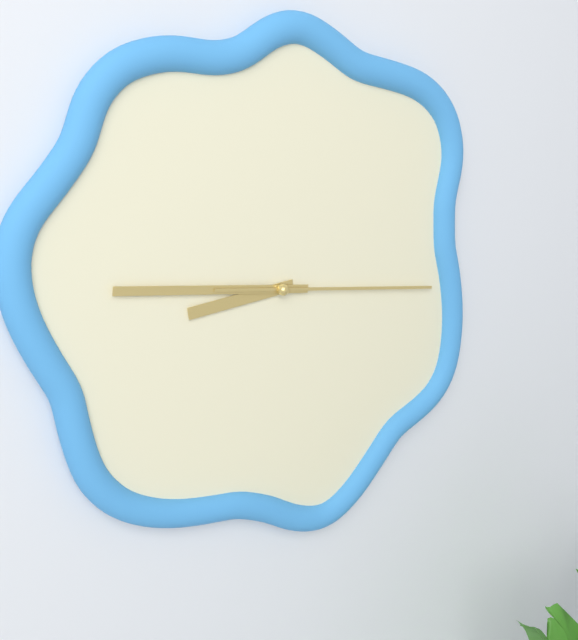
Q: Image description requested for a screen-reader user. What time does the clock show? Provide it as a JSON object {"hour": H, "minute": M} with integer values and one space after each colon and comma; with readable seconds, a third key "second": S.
{"hour": 8, "minute": 46, "second": 16}
